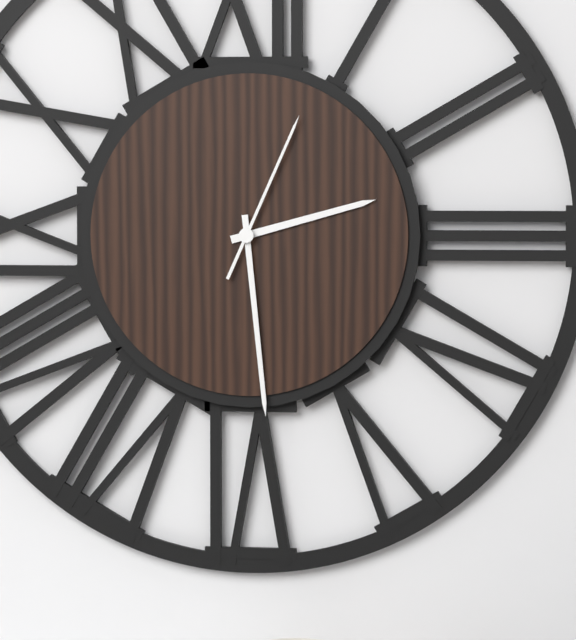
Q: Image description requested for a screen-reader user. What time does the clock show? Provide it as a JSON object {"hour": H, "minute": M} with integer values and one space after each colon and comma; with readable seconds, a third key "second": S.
{"hour": 2, "minute": 29, "second": 4}
